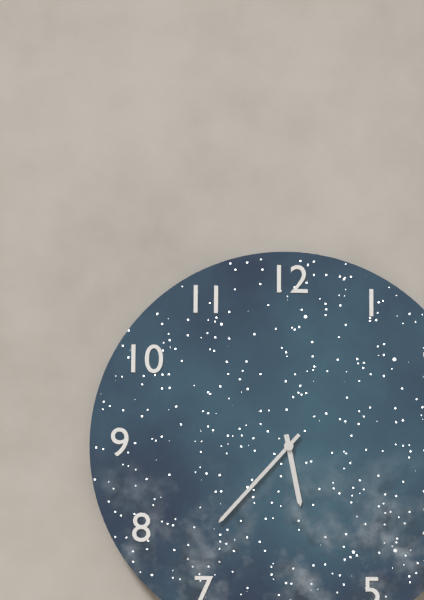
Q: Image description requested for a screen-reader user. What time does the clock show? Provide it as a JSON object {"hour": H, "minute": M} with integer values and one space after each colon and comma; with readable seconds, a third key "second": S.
{"hour": 5, "minute": 37}
